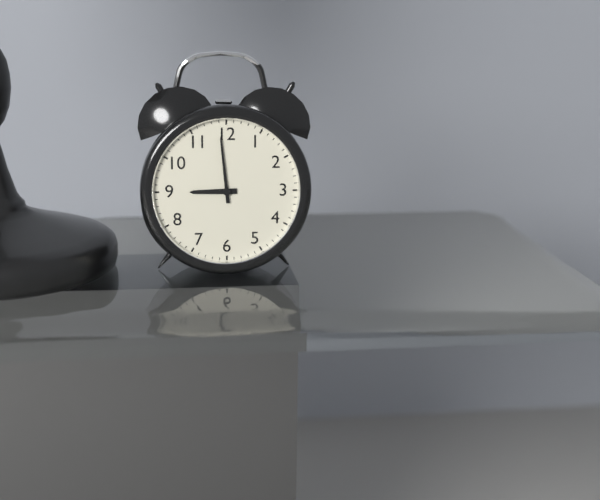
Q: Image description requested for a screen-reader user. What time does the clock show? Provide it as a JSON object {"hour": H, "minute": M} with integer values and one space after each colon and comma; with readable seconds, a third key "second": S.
{"hour": 8, "minute": 59}
